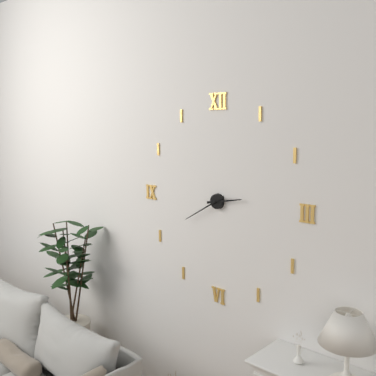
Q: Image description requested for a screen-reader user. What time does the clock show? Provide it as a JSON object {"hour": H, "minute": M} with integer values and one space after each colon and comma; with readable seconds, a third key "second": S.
{"hour": 2, "minute": 40}
